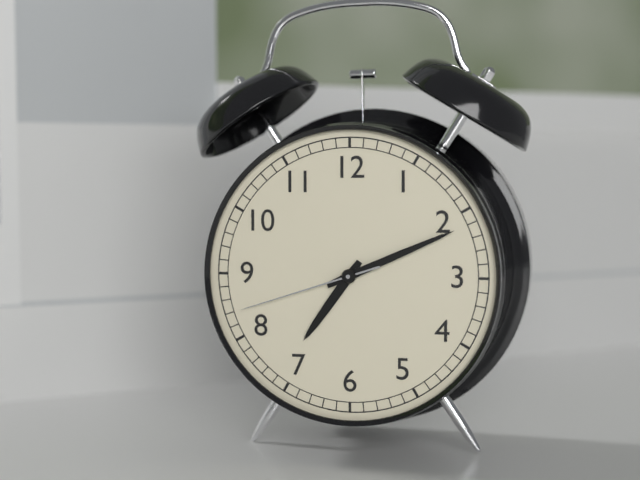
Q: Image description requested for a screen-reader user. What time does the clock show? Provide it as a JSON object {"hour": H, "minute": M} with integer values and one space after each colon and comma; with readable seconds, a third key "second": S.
{"hour": 7, "minute": 11, "second": 42}
